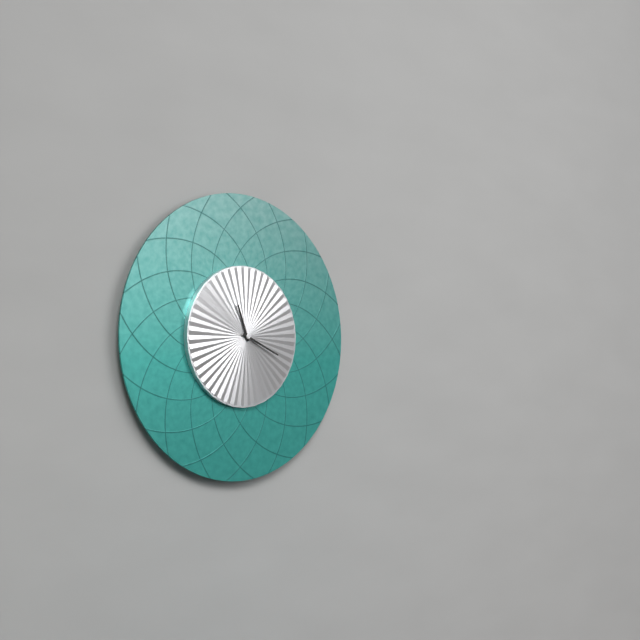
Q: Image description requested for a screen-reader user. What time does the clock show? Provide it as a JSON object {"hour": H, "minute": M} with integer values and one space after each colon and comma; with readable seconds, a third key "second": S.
{"hour": 11, "minute": 19}
